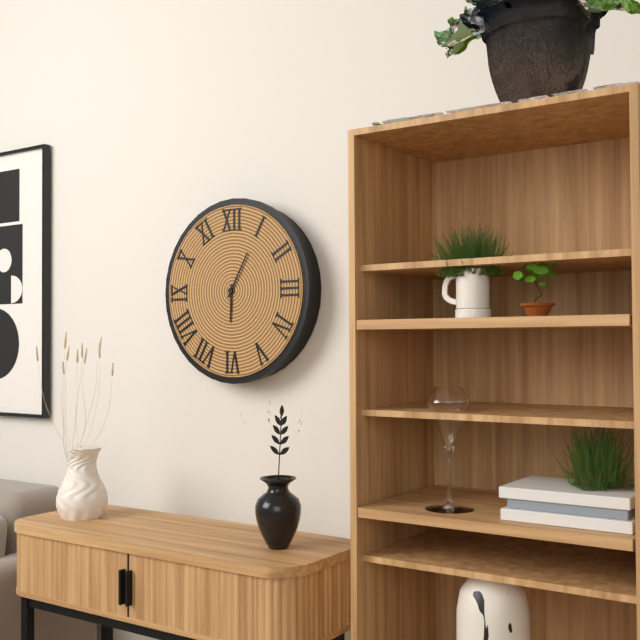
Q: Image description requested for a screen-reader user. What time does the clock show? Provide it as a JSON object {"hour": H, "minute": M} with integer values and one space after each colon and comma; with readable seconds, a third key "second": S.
{"hour": 6, "minute": 5}
